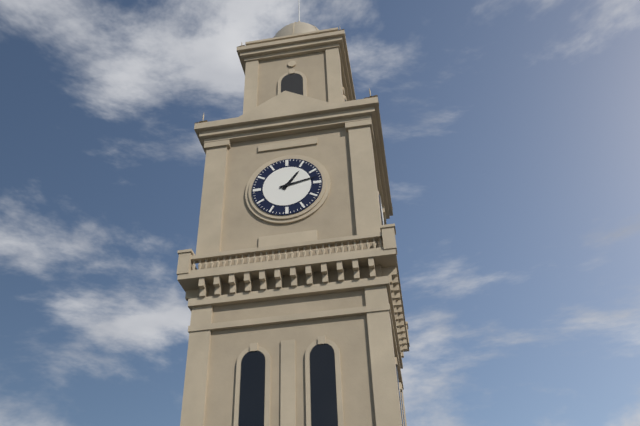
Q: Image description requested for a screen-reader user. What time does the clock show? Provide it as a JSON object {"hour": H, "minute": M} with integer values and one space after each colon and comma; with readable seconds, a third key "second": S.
{"hour": 1, "minute": 13}
